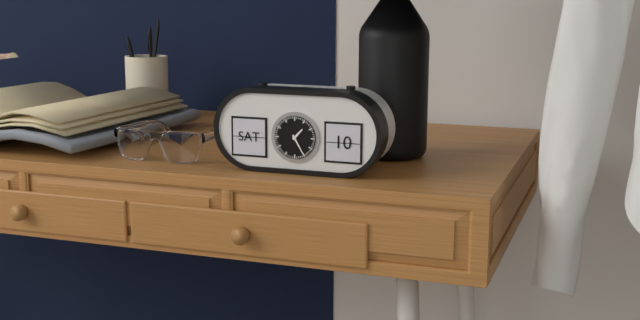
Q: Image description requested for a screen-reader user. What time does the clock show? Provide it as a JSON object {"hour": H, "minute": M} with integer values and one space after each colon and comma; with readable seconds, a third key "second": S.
{"hour": 1, "minute": 25}
